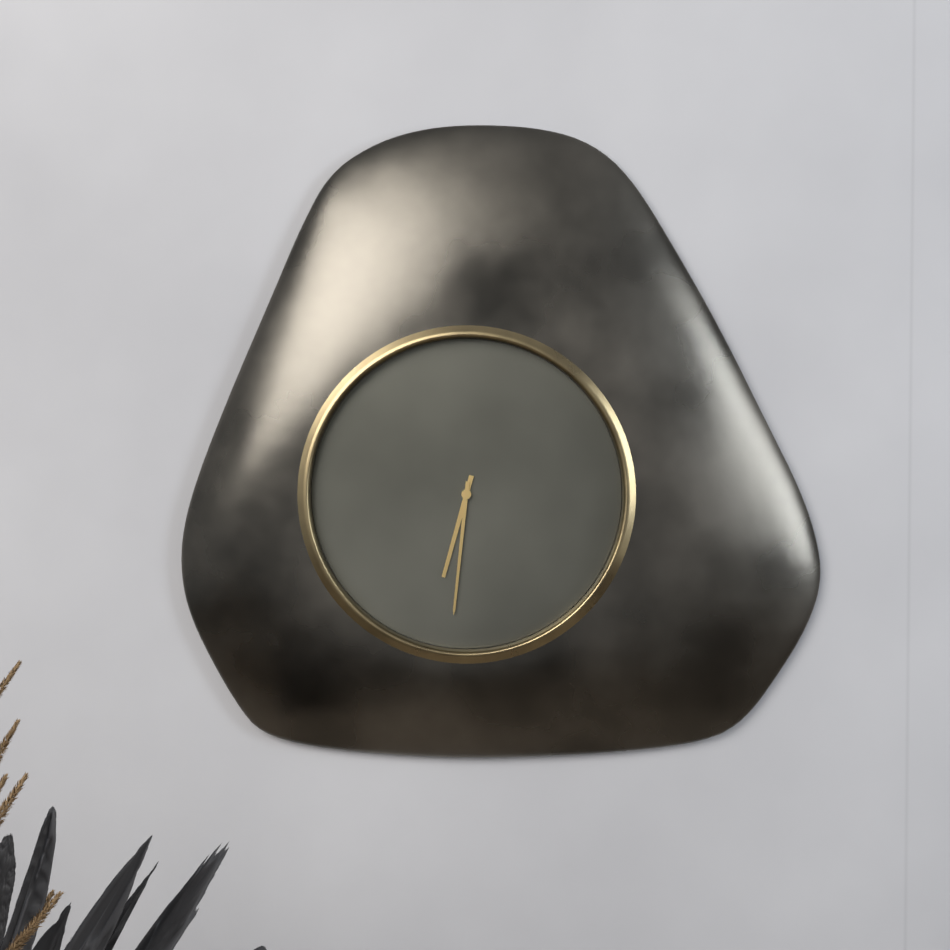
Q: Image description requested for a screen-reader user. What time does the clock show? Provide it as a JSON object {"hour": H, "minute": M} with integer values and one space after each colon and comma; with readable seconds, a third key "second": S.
{"hour": 6, "minute": 31}
